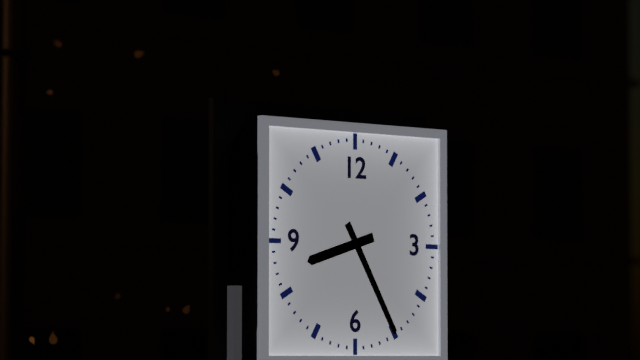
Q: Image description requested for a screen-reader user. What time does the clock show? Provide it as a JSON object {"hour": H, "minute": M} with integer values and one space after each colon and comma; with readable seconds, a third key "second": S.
{"hour": 8, "minute": 25}
